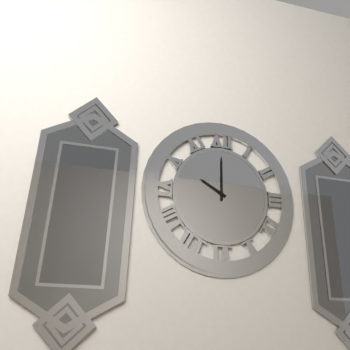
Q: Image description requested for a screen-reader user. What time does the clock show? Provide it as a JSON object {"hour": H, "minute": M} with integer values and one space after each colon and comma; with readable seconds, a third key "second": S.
{"hour": 10, "minute": 0}
